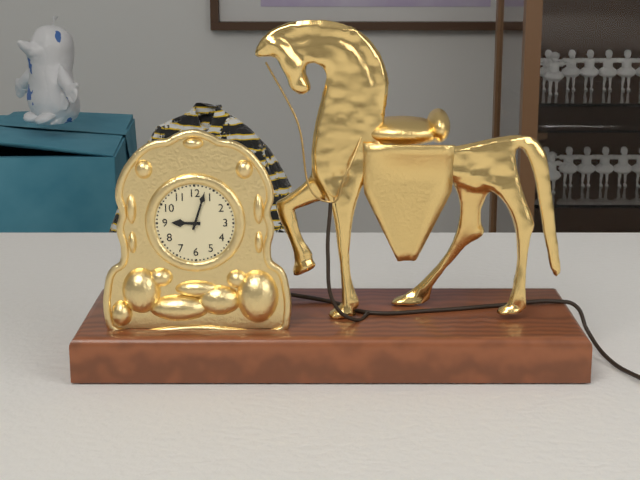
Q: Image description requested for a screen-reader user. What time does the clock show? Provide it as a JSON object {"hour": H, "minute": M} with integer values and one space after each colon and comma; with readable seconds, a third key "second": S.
{"hour": 9, "minute": 3}
